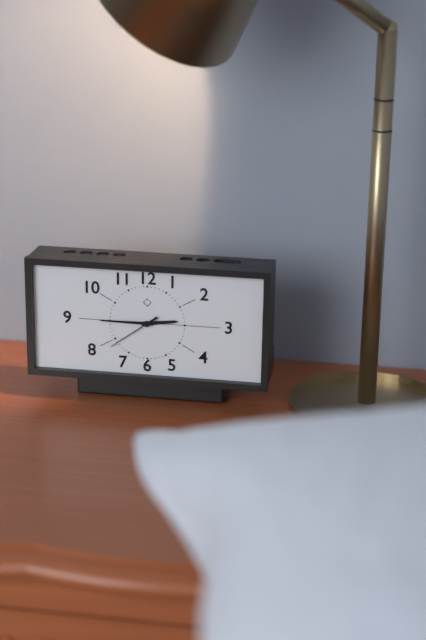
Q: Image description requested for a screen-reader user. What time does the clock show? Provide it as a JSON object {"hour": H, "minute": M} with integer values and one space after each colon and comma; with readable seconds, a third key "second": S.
{"hour": 2, "minute": 45, "second": 39}
